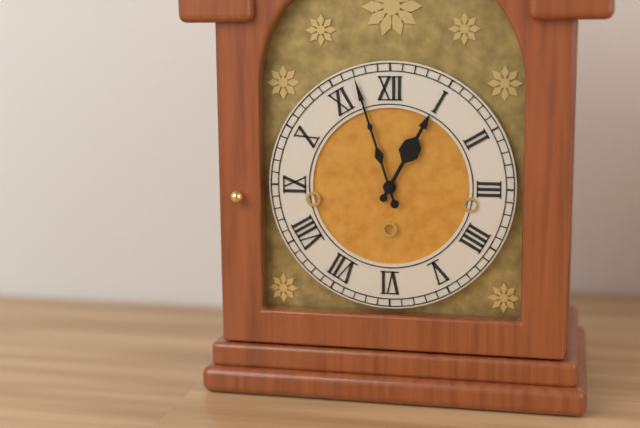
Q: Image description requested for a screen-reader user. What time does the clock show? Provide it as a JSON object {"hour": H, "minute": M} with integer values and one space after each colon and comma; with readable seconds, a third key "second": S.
{"hour": 12, "minute": 57}
